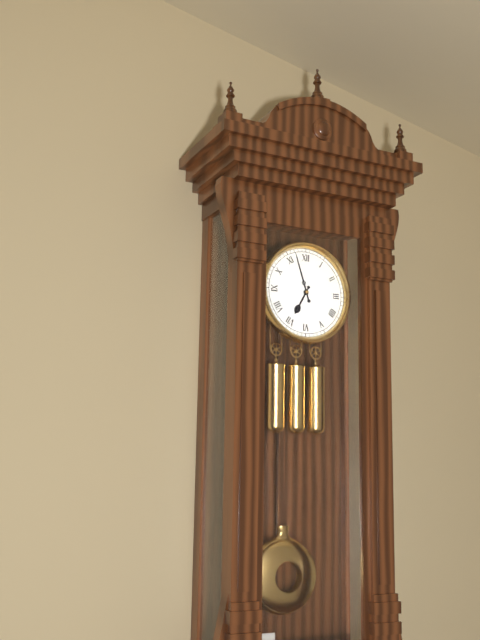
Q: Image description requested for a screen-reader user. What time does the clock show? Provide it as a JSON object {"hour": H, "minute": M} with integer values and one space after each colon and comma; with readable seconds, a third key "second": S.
{"hour": 6, "minute": 57}
